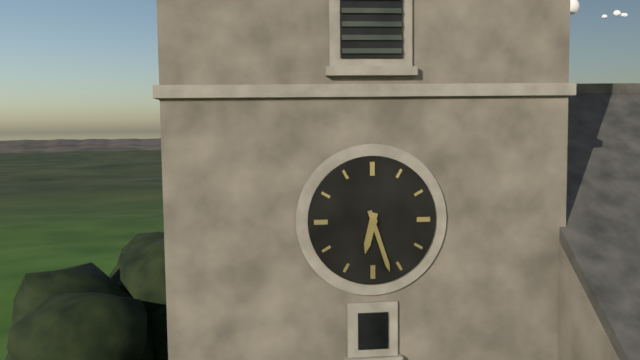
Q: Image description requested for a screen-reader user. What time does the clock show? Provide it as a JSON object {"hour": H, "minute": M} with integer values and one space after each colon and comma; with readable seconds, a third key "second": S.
{"hour": 6, "minute": 27}
